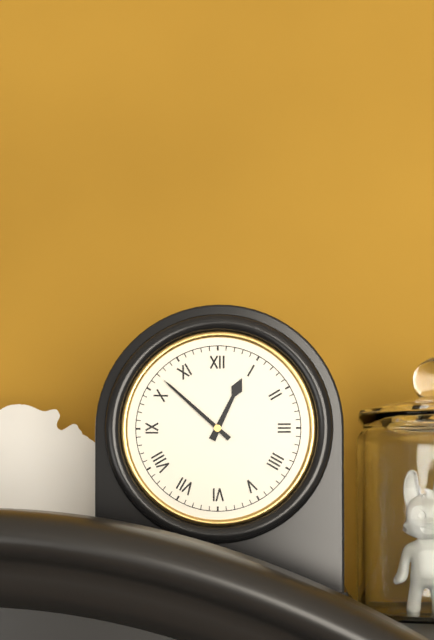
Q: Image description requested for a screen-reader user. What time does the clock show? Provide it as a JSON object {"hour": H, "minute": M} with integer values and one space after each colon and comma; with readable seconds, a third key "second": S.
{"hour": 12, "minute": 52}
